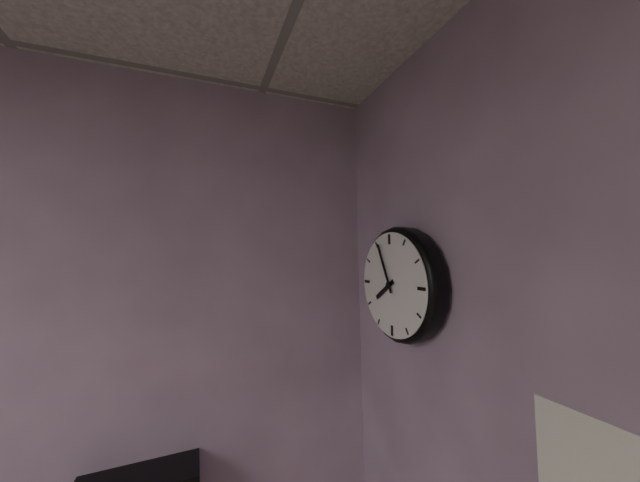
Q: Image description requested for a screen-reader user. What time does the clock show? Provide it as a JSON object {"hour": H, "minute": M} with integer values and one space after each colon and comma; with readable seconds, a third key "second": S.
{"hour": 7, "minute": 56}
